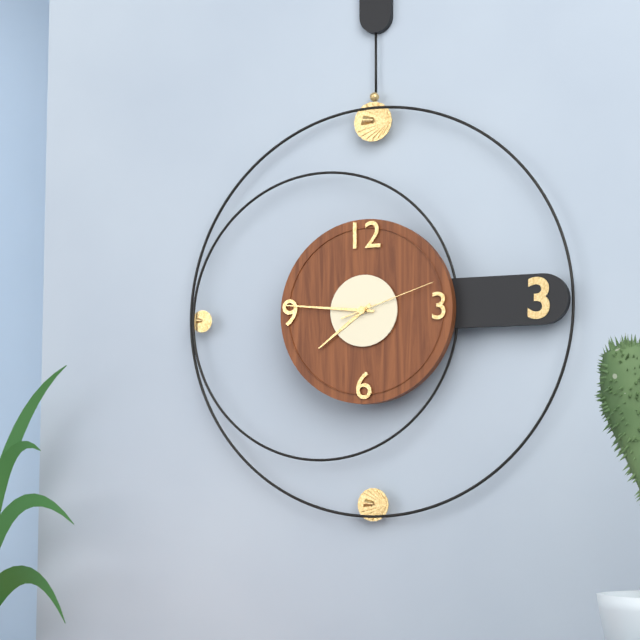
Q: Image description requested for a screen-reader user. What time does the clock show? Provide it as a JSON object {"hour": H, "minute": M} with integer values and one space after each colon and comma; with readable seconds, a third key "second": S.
{"hour": 7, "minute": 46, "second": 12}
